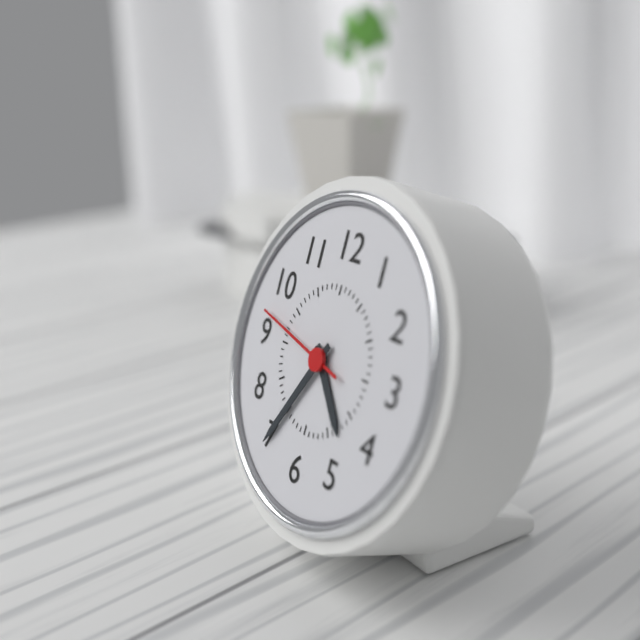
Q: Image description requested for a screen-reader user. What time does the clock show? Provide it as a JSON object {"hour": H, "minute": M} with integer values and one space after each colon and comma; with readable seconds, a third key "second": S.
{"hour": 4, "minute": 35, "second": 47}
